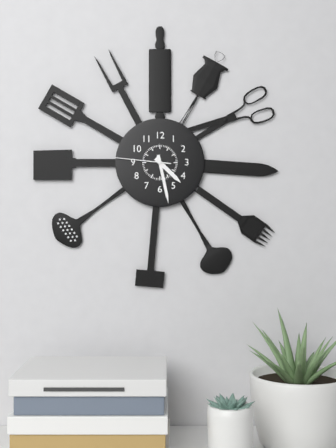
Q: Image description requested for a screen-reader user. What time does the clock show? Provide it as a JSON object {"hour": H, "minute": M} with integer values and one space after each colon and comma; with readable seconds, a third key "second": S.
{"hour": 4, "minute": 28, "second": 46}
